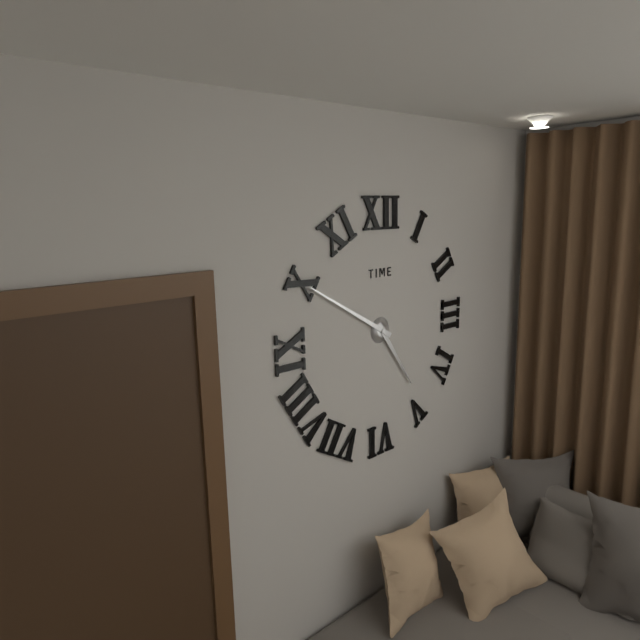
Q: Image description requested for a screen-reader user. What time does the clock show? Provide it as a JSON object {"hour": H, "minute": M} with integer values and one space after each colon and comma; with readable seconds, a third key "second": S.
{"hour": 4, "minute": 50}
